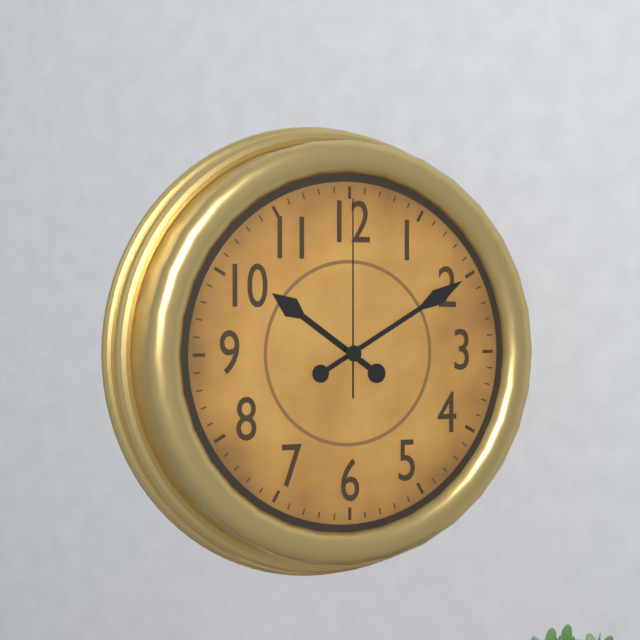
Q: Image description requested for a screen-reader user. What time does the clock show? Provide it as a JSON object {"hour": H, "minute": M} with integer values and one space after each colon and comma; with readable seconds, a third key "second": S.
{"hour": 10, "minute": 10, "second": 0}
